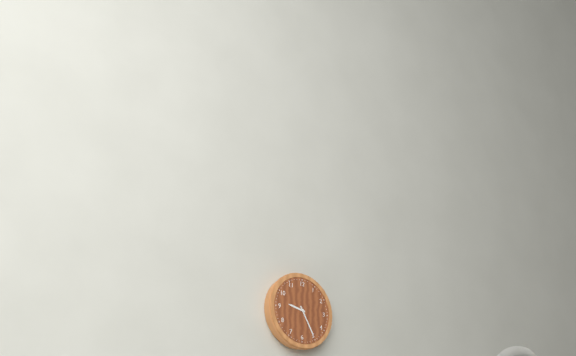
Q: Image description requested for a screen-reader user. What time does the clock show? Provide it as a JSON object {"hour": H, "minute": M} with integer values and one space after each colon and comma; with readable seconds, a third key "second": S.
{"hour": 9, "minute": 25}
